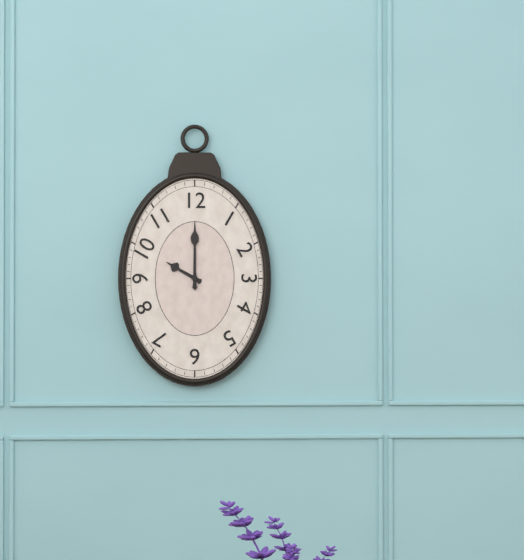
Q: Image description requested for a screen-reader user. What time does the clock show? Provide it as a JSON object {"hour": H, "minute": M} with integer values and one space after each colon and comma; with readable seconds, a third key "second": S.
{"hour": 10, "minute": 0}
